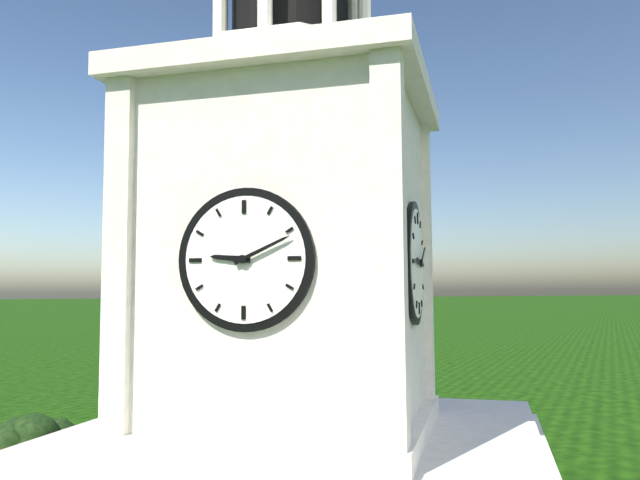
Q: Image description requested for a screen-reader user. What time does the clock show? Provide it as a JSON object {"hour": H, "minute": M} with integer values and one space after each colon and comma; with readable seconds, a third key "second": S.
{"hour": 9, "minute": 11}
